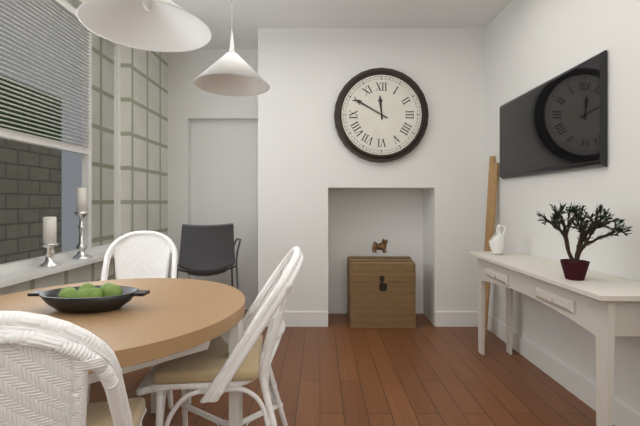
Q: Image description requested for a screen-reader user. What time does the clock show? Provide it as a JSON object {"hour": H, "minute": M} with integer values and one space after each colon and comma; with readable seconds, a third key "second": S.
{"hour": 11, "minute": 50}
